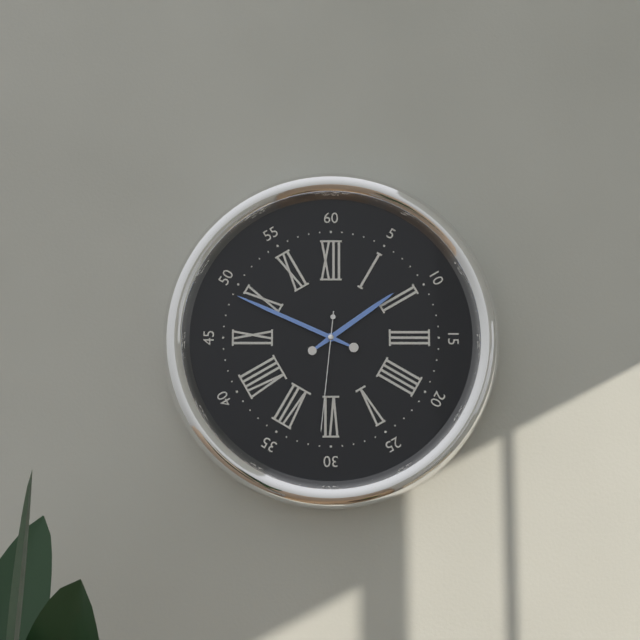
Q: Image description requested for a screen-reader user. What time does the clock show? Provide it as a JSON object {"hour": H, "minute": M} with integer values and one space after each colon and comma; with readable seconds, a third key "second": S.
{"hour": 1, "minute": 49, "second": 31}
